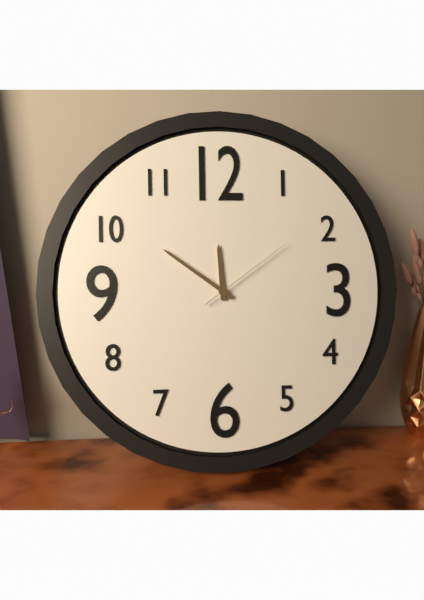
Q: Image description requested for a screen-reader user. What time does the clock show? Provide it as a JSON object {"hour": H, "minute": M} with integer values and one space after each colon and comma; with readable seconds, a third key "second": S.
{"hour": 11, "minute": 51, "second": 9}
